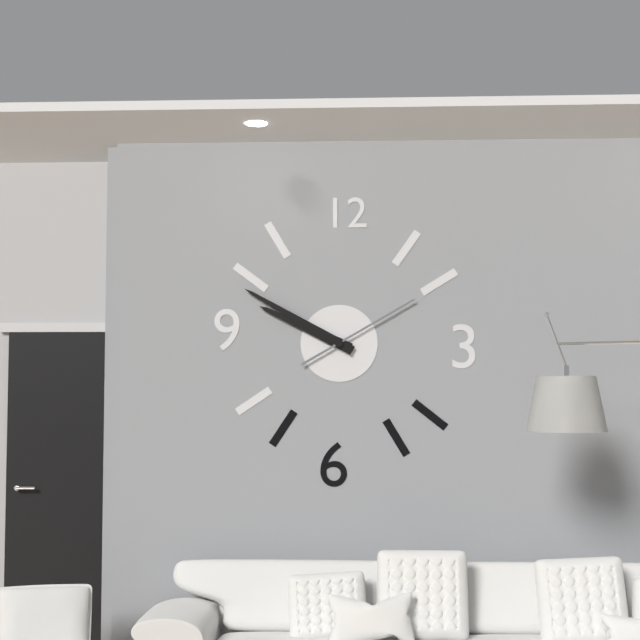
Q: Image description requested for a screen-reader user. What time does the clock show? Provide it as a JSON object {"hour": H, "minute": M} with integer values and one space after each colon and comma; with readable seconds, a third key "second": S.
{"hour": 9, "minute": 50, "second": 10}
